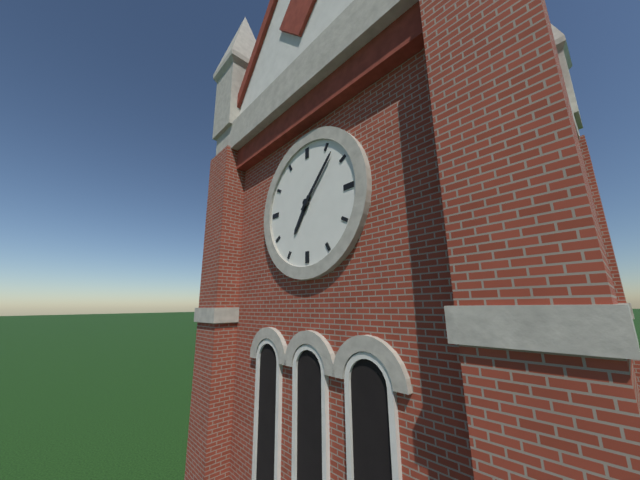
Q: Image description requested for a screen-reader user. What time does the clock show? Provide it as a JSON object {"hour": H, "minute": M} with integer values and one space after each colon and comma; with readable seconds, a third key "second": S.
{"hour": 7, "minute": 7}
